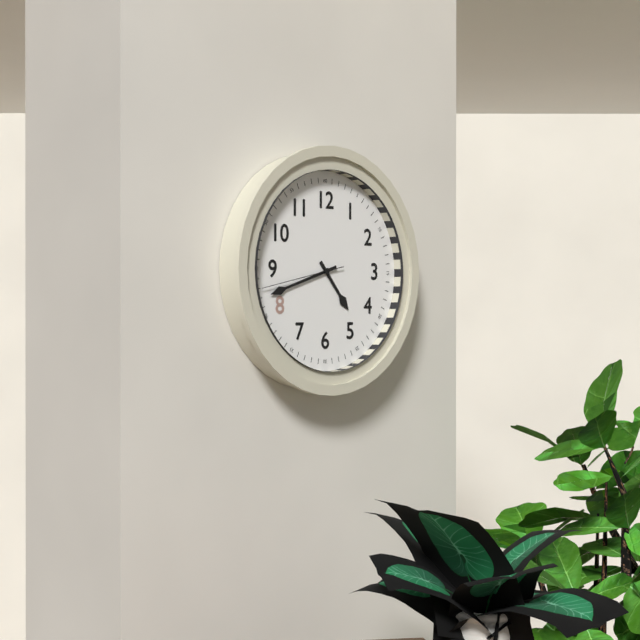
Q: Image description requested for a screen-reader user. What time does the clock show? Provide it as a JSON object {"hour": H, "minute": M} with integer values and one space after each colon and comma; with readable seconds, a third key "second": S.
{"hour": 4, "minute": 42, "second": 43}
